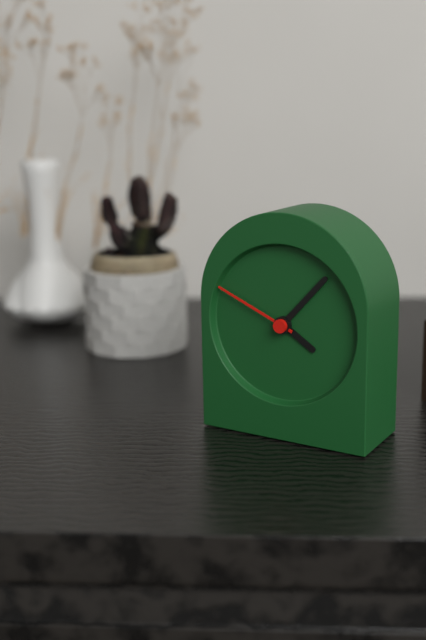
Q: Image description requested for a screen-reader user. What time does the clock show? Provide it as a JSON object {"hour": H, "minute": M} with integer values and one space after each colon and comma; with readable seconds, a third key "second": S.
{"hour": 4, "minute": 7, "second": 49}
